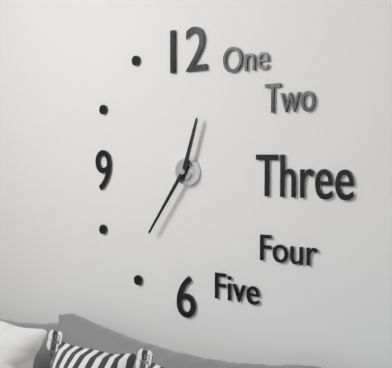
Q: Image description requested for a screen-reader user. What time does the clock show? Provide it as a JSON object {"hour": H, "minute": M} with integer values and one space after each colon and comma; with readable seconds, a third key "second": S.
{"hour": 12, "minute": 36}
